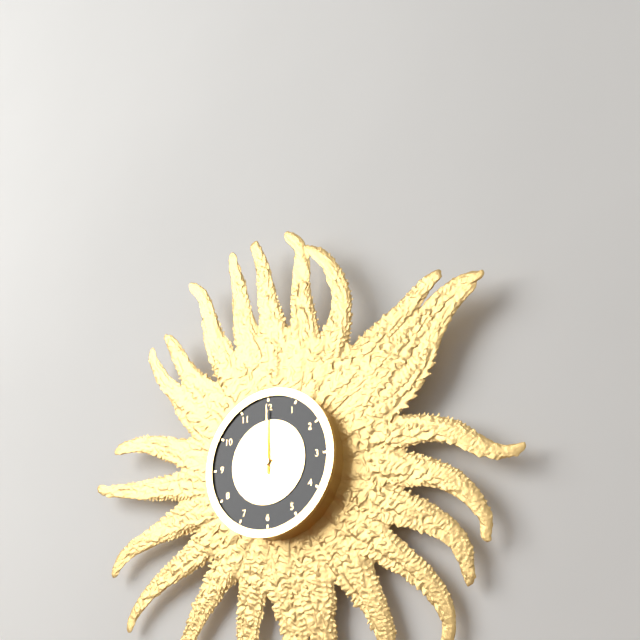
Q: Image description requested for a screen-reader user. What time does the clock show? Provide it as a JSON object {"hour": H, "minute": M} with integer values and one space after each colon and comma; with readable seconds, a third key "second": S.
{"hour": 4, "minute": 0}
